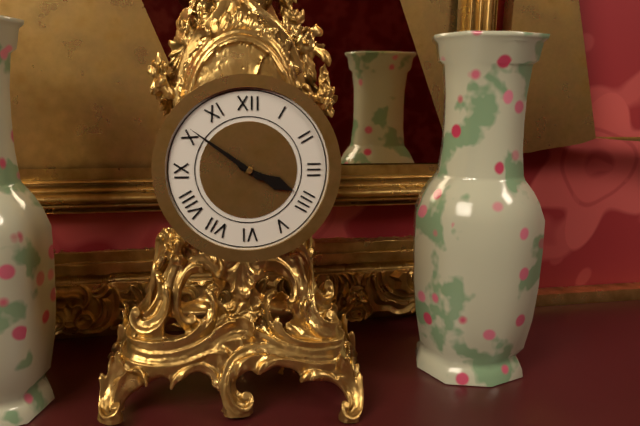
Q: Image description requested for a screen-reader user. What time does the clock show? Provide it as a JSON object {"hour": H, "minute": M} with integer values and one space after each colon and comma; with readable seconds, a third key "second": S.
{"hour": 3, "minute": 51}
